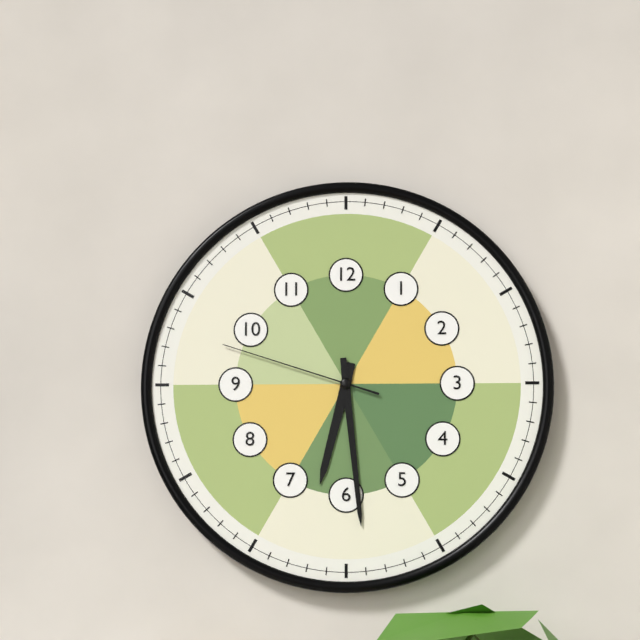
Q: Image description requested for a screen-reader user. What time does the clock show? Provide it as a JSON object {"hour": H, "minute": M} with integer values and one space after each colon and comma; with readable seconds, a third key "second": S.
{"hour": 6, "minute": 29, "second": 48}
